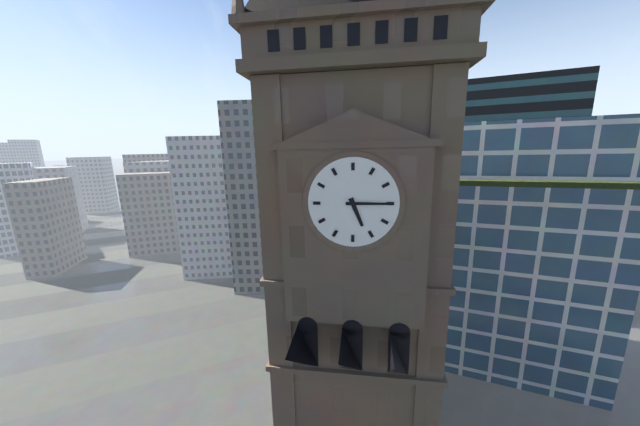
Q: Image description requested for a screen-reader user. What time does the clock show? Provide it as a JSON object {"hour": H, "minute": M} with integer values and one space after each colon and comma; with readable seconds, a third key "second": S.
{"hour": 5, "minute": 15}
